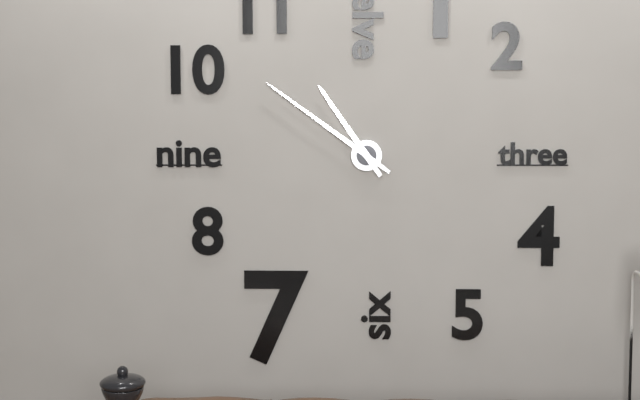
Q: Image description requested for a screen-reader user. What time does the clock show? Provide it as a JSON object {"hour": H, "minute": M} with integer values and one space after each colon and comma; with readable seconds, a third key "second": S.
{"hour": 10, "minute": 51}
